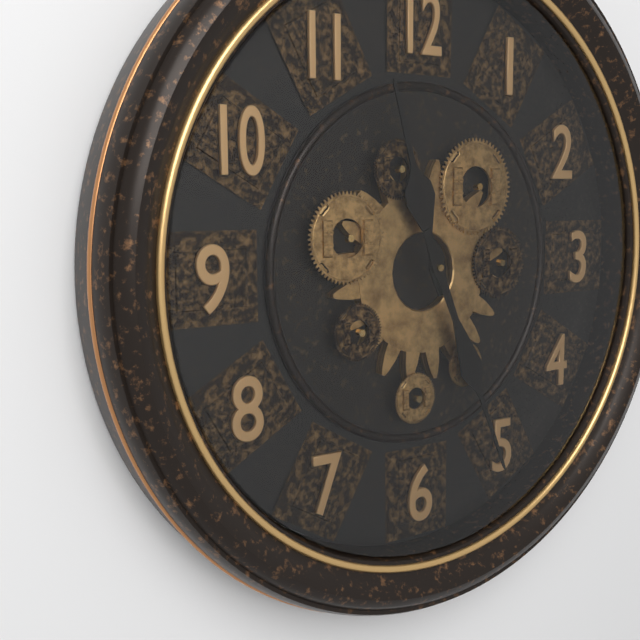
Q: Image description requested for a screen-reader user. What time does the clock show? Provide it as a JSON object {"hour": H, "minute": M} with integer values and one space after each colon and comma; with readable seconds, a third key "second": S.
{"hour": 11, "minute": 26}
